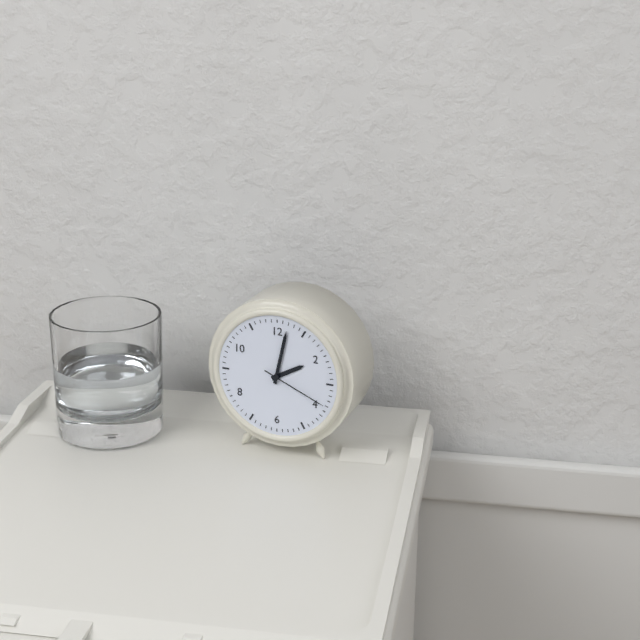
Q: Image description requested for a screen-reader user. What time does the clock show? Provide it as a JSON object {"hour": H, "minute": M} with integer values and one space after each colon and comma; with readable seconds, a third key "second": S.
{"hour": 2, "minute": 2, "second": 19}
